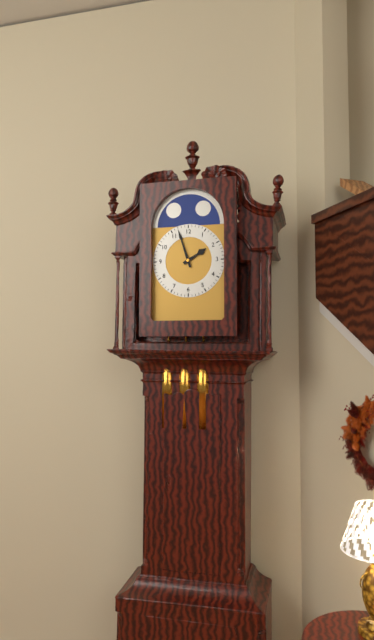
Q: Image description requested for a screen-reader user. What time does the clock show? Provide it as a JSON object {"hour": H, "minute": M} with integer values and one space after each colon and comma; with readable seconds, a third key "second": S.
{"hour": 1, "minute": 57}
